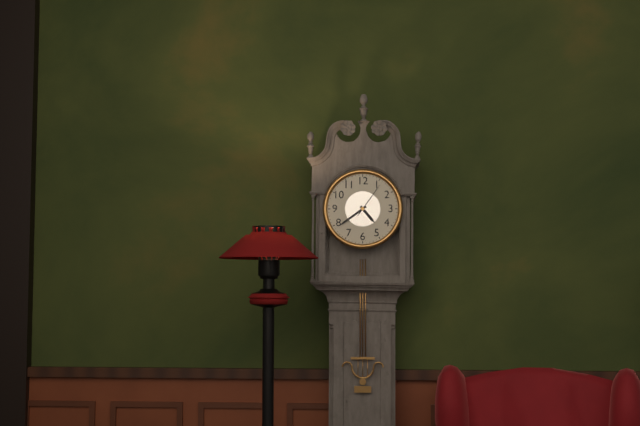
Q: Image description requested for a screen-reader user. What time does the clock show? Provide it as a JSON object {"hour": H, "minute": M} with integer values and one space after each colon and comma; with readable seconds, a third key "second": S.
{"hour": 4, "minute": 39}
